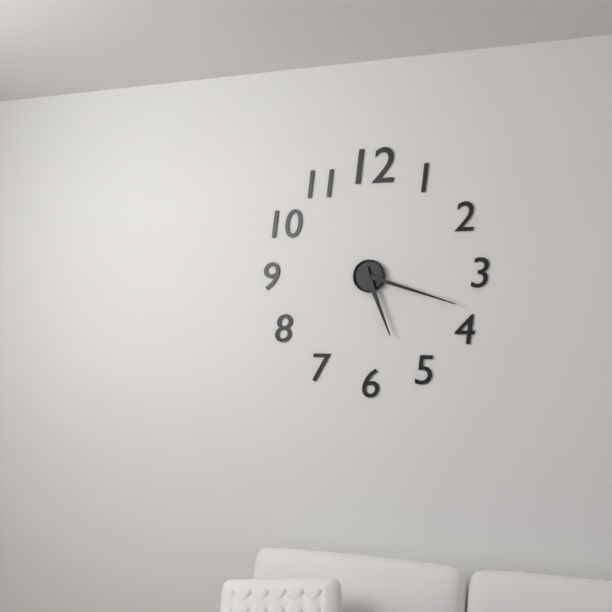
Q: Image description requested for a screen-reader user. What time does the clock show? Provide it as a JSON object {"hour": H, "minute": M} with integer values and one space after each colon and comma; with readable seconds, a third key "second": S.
{"hour": 5, "minute": 18}
